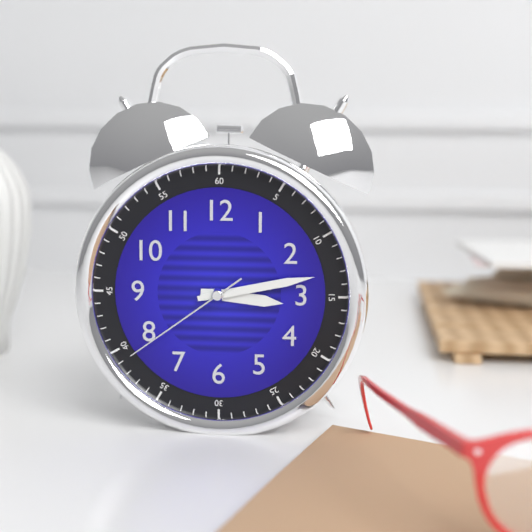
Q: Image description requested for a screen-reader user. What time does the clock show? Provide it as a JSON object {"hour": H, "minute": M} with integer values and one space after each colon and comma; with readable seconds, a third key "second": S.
{"hour": 3, "minute": 13, "second": 39}
